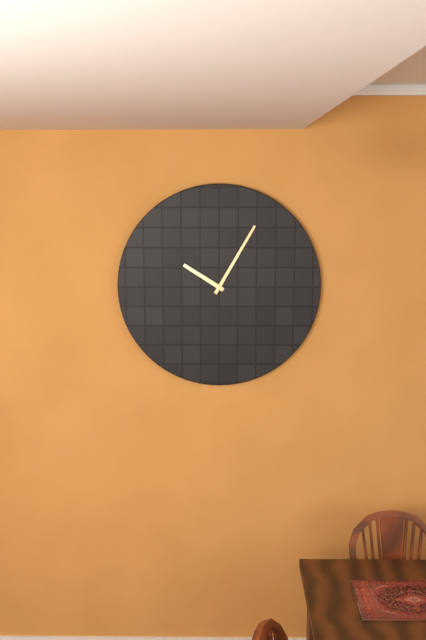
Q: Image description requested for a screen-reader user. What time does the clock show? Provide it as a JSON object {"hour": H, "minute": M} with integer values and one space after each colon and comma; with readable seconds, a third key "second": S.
{"hour": 10, "minute": 5}
